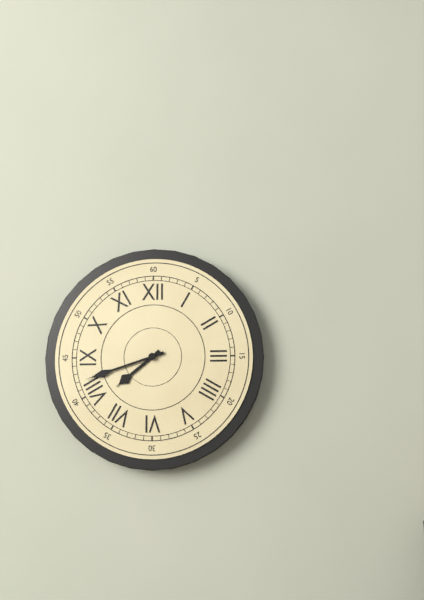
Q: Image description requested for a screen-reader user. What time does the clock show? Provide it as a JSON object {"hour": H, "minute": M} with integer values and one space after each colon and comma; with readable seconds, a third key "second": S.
{"hour": 7, "minute": 42}
